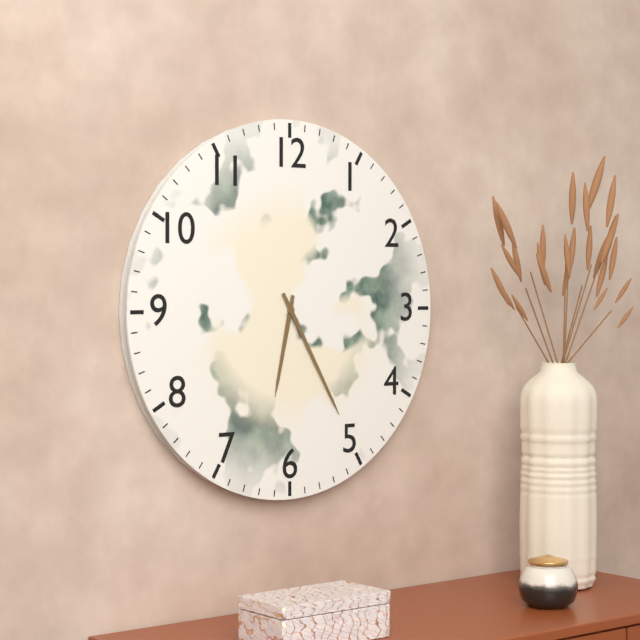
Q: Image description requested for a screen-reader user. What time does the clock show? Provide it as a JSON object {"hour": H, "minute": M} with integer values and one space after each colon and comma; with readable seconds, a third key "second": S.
{"hour": 6, "minute": 25}
